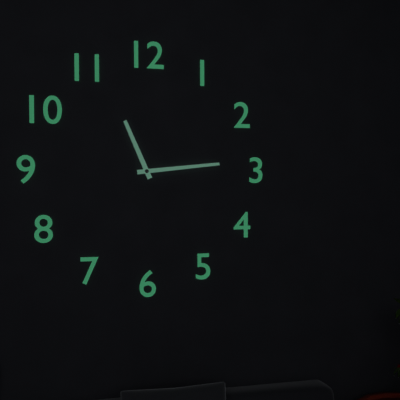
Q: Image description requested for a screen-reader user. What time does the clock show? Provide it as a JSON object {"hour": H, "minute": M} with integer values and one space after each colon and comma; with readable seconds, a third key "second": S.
{"hour": 11, "minute": 14}
